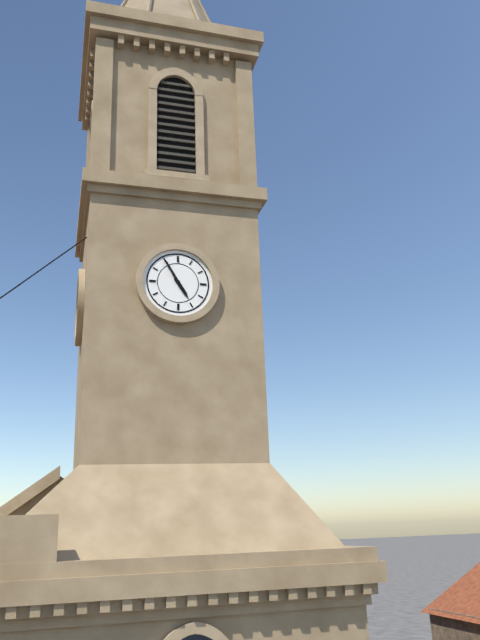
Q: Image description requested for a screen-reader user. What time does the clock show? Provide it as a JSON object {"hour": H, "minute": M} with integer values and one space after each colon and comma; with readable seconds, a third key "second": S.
{"hour": 4, "minute": 55}
